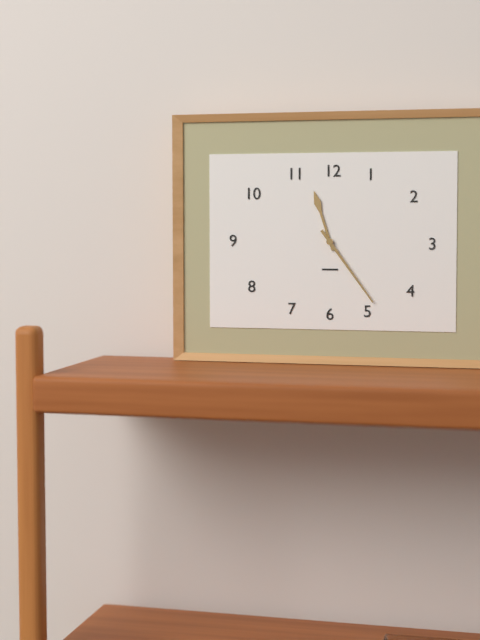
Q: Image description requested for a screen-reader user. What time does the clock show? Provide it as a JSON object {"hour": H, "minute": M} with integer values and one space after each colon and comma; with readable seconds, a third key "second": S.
{"hour": 11, "minute": 24}
